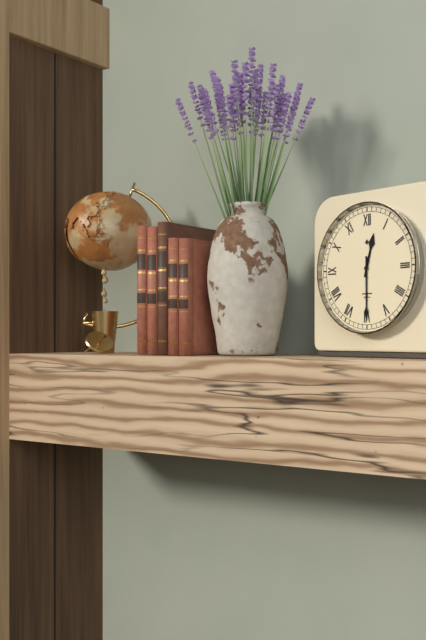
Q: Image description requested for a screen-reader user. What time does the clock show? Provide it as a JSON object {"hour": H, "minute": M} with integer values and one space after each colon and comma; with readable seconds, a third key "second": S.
{"hour": 12, "minute": 30}
